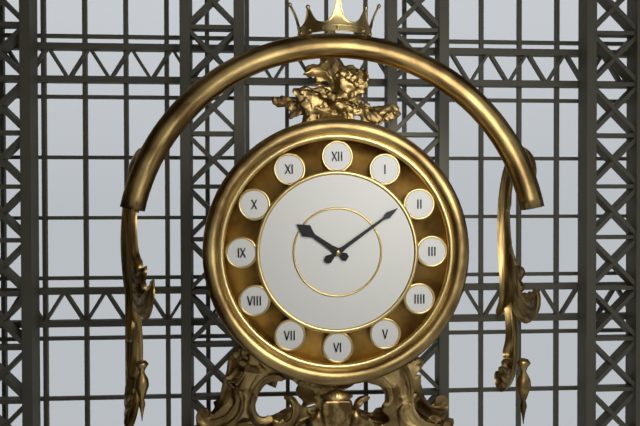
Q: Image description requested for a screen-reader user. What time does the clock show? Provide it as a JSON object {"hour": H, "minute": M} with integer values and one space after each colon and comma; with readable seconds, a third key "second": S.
{"hour": 10, "minute": 9}
